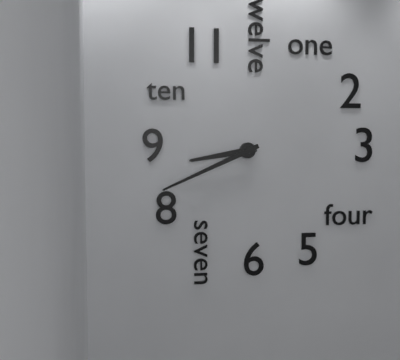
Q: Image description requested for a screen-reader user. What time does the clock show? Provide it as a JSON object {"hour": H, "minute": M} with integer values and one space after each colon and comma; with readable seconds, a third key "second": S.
{"hour": 8, "minute": 41}
